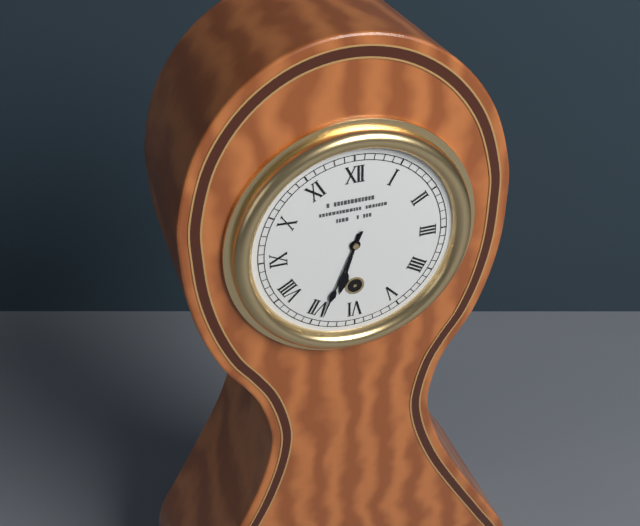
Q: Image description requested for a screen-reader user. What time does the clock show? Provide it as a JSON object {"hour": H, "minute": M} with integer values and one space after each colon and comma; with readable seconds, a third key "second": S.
{"hour": 6, "minute": 34}
